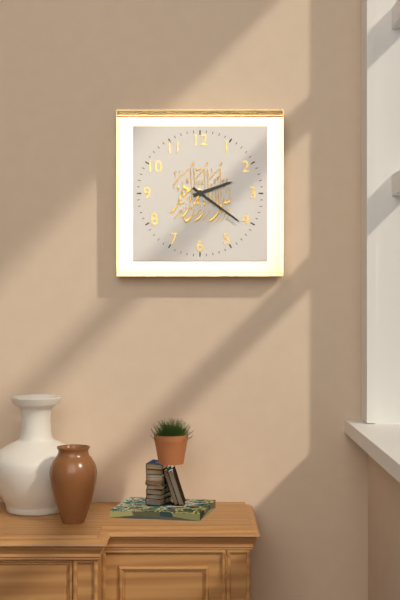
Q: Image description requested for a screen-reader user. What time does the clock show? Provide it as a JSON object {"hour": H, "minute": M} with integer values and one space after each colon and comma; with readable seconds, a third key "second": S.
{"hour": 2, "minute": 21}
